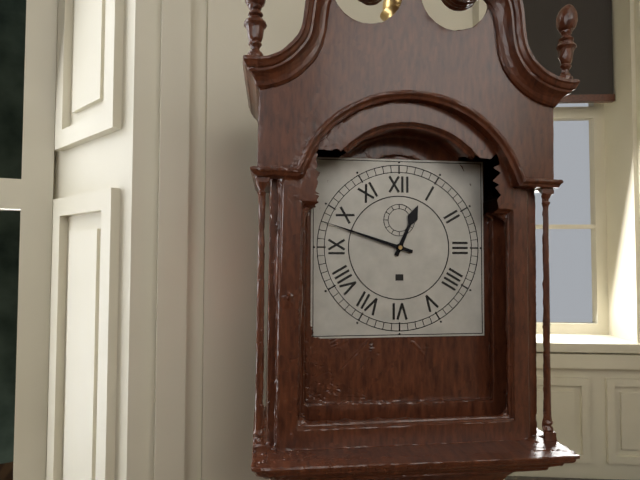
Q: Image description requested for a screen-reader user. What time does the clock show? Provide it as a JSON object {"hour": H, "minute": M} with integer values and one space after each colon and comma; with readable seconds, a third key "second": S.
{"hour": 12, "minute": 48}
